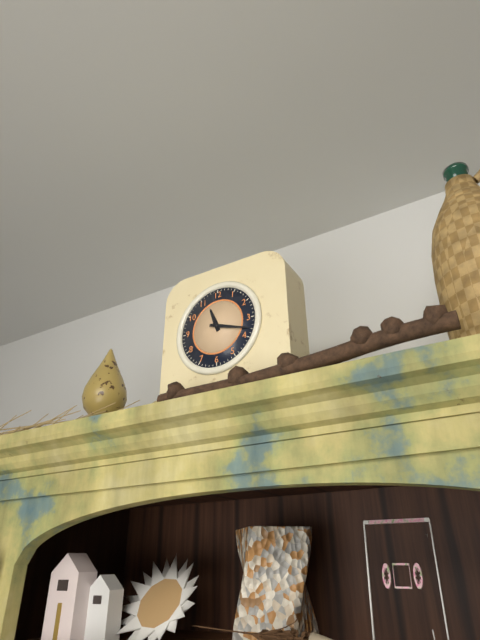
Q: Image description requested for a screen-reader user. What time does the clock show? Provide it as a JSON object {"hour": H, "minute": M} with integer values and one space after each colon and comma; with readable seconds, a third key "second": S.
{"hour": 11, "minute": 18}
